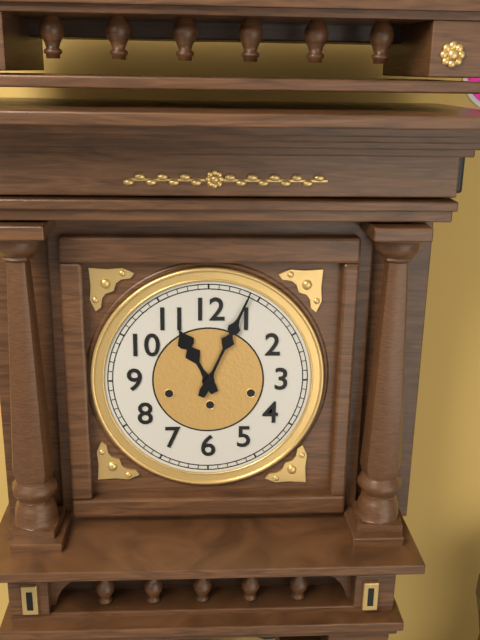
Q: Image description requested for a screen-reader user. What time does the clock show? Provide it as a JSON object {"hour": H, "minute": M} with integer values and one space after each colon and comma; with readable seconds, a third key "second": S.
{"hour": 11, "minute": 4}
